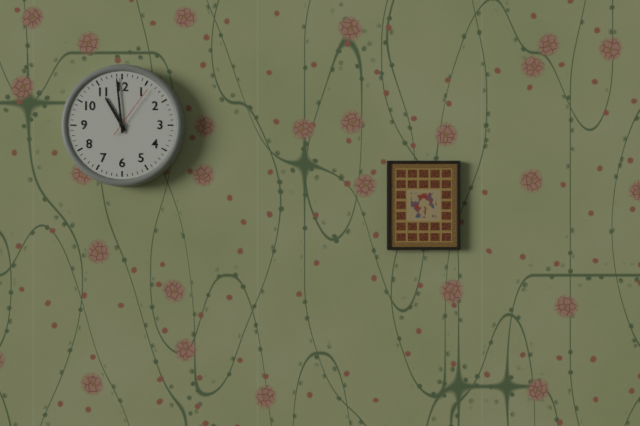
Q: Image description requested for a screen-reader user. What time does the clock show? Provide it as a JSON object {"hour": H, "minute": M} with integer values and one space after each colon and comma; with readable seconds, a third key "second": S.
{"hour": 10, "minute": 59, "second": 6}
